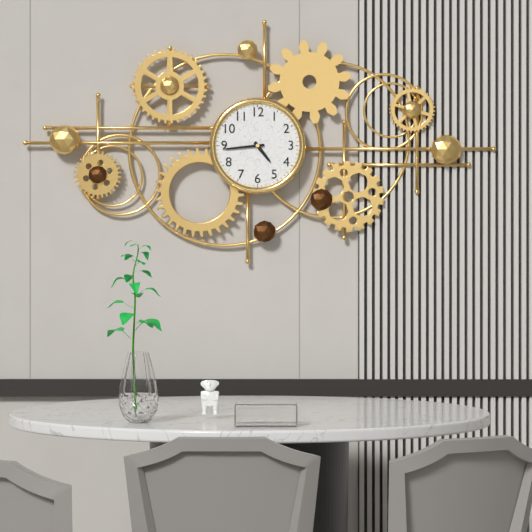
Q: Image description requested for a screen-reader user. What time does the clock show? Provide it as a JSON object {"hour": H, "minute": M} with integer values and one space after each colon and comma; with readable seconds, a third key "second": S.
{"hour": 4, "minute": 44}
